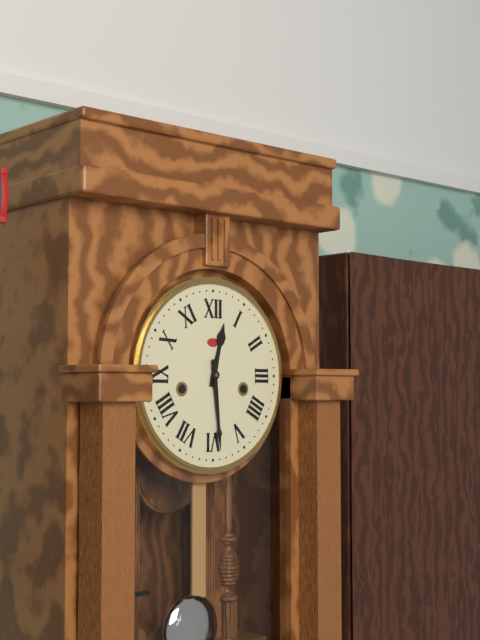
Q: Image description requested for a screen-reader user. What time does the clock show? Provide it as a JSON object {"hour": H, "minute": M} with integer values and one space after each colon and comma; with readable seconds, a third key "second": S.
{"hour": 12, "minute": 29}
